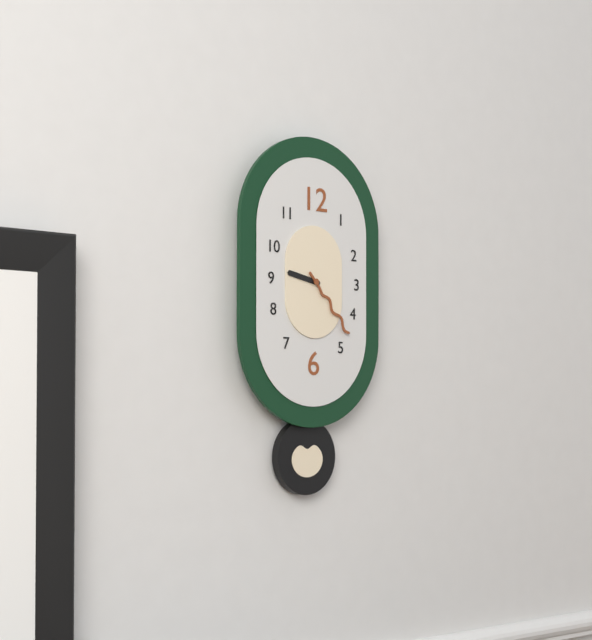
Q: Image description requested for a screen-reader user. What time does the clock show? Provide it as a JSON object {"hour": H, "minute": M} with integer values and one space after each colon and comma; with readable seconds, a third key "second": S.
{"hour": 9, "minute": 23}
